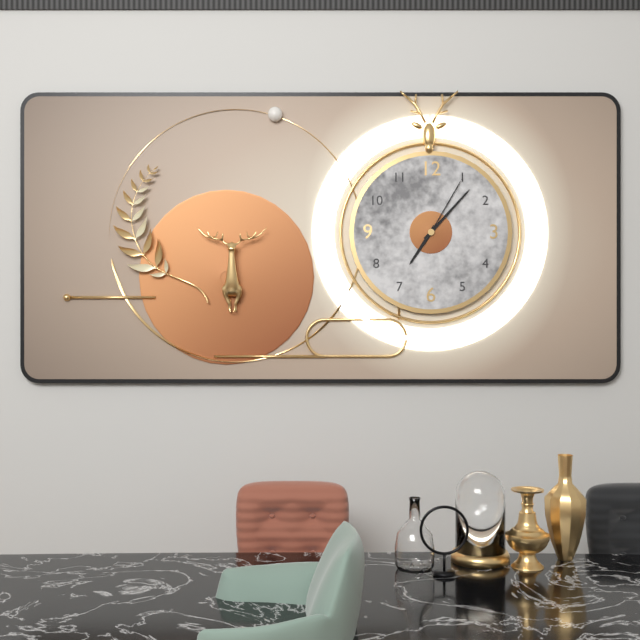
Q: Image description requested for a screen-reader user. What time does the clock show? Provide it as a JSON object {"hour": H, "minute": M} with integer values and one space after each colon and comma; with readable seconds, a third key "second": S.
{"hour": 7, "minute": 7, "second": 5}
